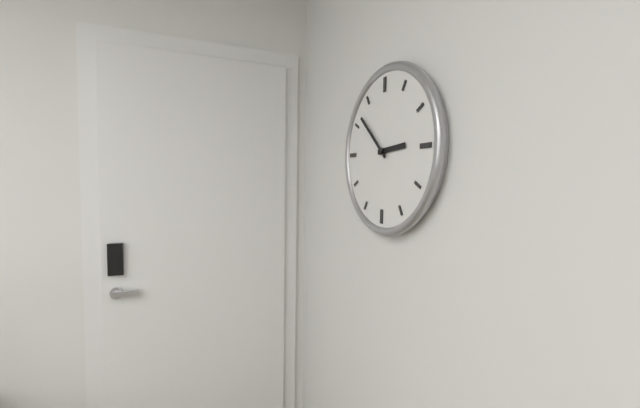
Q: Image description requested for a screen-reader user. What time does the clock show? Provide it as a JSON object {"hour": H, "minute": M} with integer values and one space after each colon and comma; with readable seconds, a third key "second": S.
{"hour": 2, "minute": 52}
